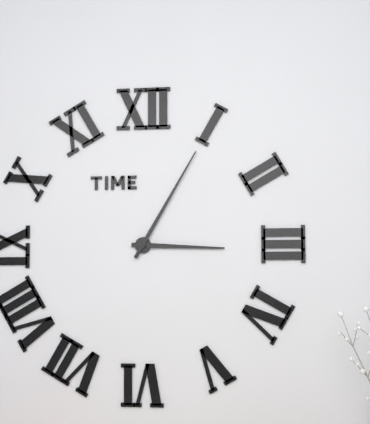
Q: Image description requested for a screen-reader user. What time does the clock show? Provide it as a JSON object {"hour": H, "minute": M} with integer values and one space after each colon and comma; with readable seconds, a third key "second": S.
{"hour": 3, "minute": 5}
